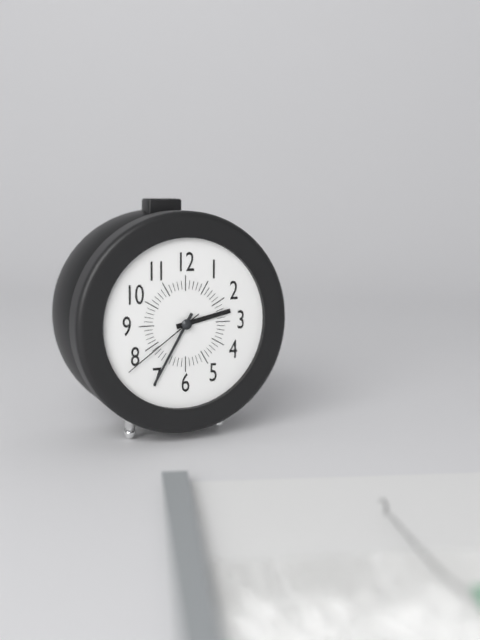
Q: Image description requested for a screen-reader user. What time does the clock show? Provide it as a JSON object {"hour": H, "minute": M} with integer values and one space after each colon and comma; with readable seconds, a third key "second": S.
{"hour": 2, "minute": 35, "second": 39}
